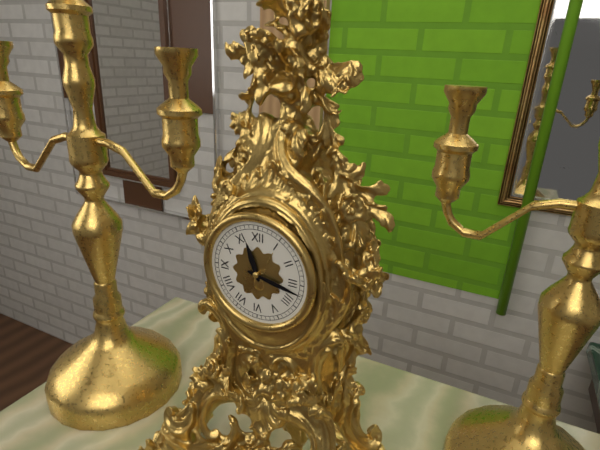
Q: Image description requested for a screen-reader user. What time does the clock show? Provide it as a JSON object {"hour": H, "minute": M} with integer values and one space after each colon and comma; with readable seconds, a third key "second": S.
{"hour": 11, "minute": 17}
